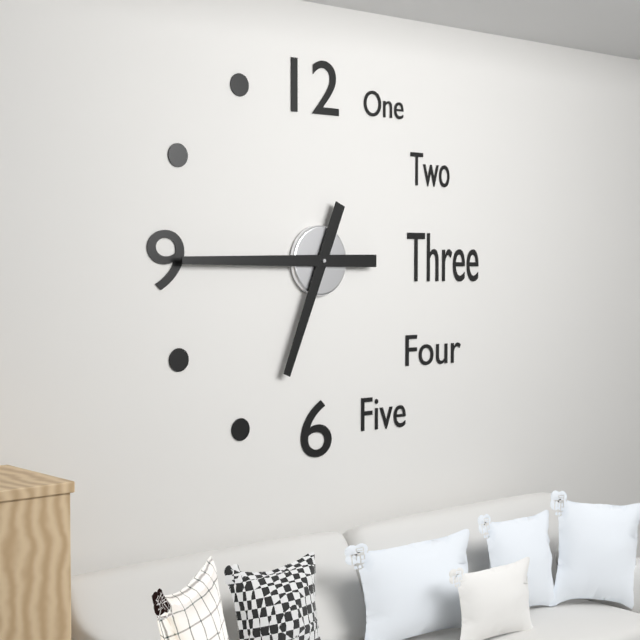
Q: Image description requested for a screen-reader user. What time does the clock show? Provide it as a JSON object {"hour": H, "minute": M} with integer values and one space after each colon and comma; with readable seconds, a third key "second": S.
{"hour": 6, "minute": 45}
